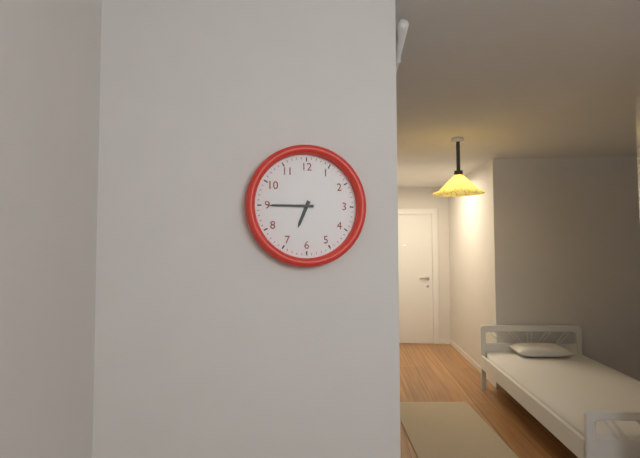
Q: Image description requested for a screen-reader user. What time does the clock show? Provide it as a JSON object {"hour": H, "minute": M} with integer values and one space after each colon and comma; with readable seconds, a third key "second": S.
{"hour": 6, "minute": 45}
